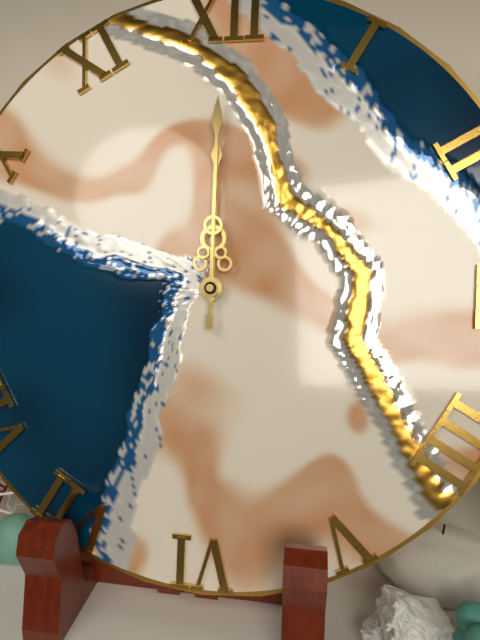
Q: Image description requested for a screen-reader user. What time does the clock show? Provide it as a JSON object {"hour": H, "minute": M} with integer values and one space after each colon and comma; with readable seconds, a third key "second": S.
{"hour": 12, "minute": 0}
